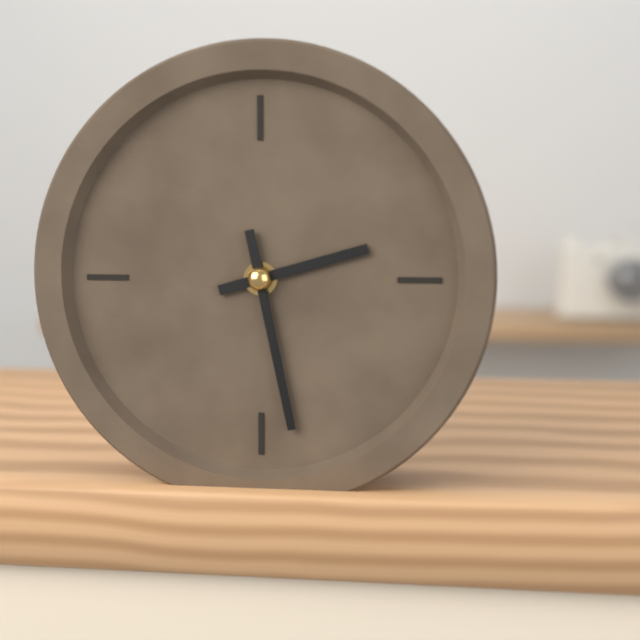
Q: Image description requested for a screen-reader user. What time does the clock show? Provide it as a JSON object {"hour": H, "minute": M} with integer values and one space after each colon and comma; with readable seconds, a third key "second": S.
{"hour": 2, "minute": 28}
